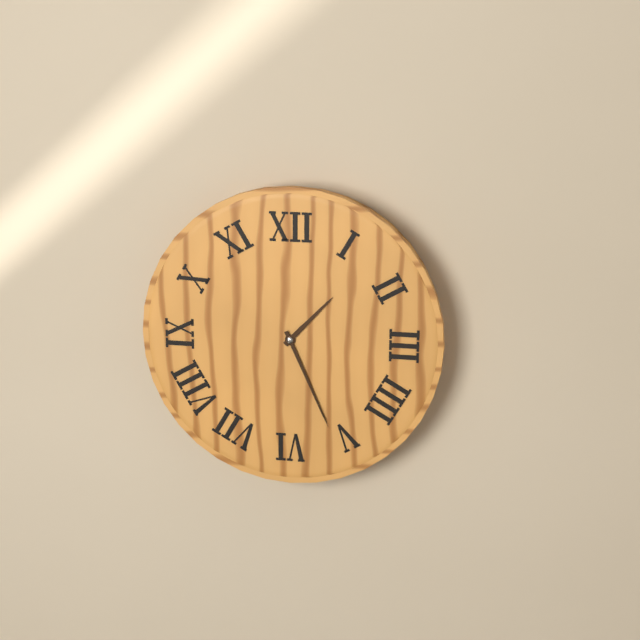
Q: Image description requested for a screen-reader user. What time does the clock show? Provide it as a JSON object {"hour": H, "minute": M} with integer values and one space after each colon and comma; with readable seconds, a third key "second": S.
{"hour": 1, "minute": 26}
